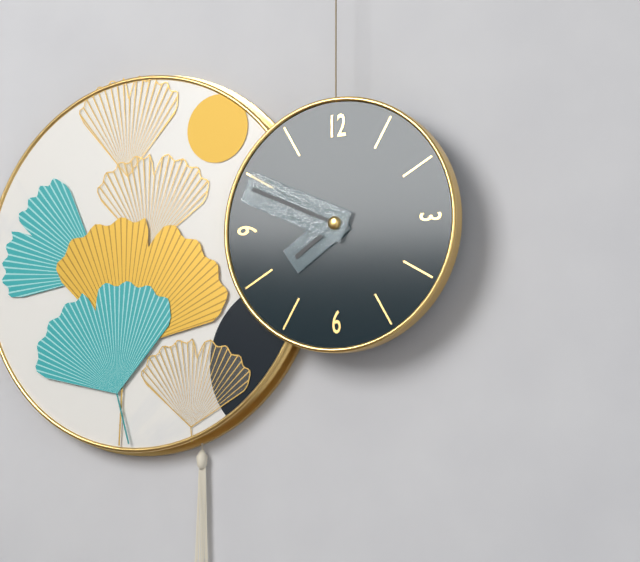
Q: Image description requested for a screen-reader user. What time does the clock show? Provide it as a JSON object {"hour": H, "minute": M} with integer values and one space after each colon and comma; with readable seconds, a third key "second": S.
{"hour": 7, "minute": 49}
